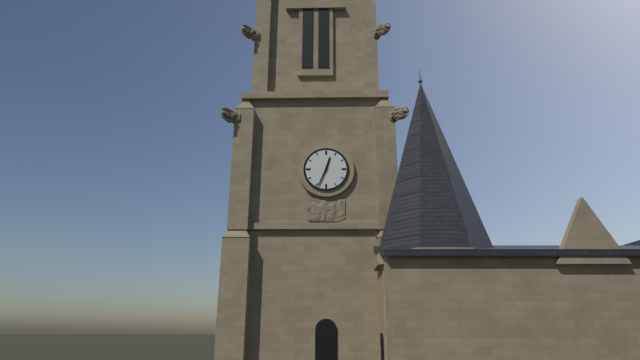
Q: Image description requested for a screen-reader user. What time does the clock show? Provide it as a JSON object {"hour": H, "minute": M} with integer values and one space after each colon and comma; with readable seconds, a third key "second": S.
{"hour": 12, "minute": 34}
